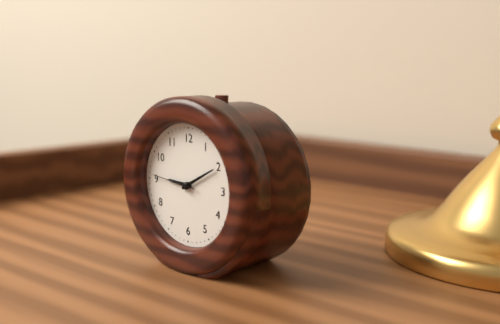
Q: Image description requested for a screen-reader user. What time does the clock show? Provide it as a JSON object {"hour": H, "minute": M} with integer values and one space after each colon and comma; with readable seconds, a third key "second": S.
{"hour": 9, "minute": 10}
